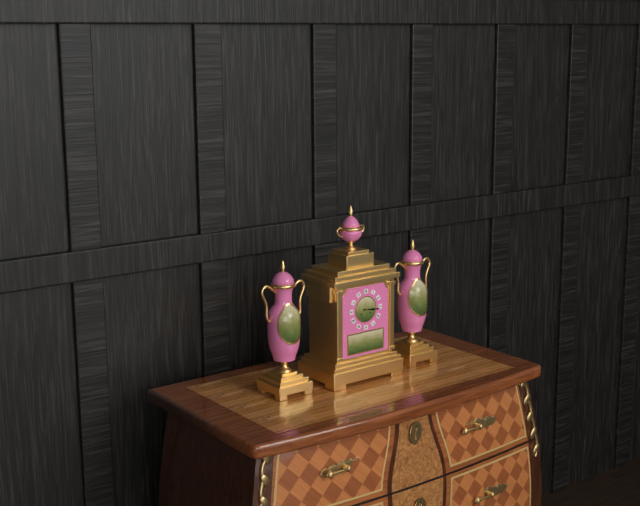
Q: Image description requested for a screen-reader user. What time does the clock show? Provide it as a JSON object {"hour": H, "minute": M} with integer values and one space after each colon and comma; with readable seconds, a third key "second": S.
{"hour": 3, "minute": 16}
